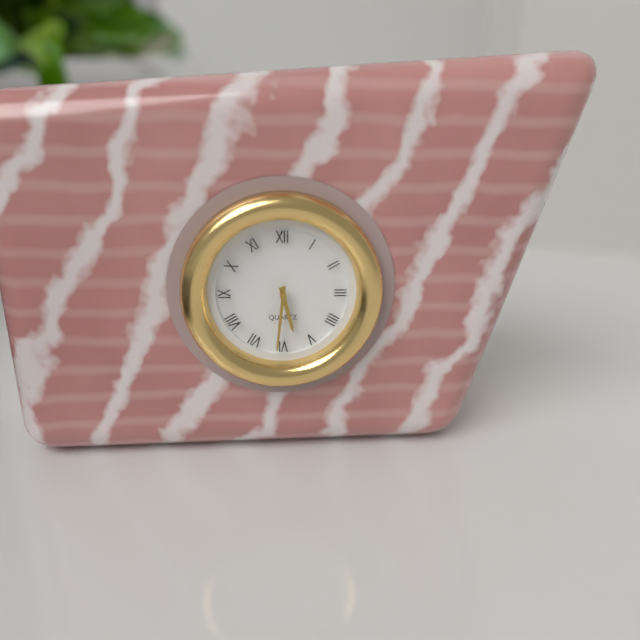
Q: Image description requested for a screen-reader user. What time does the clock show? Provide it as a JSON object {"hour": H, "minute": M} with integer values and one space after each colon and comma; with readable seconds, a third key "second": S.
{"hour": 5, "minute": 31}
